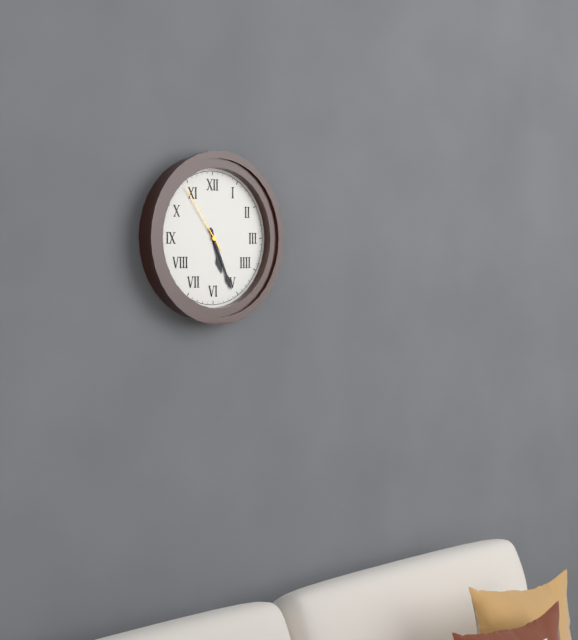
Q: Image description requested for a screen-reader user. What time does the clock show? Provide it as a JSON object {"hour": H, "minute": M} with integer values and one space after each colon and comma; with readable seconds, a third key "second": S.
{"hour": 5, "minute": 26, "second": 54}
